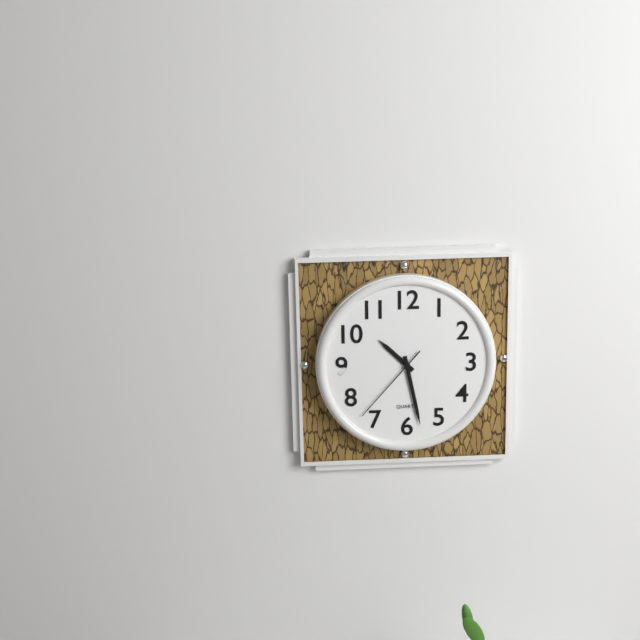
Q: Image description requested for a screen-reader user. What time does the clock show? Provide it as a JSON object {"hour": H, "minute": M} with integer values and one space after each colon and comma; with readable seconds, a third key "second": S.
{"hour": 10, "minute": 28, "second": 37}
